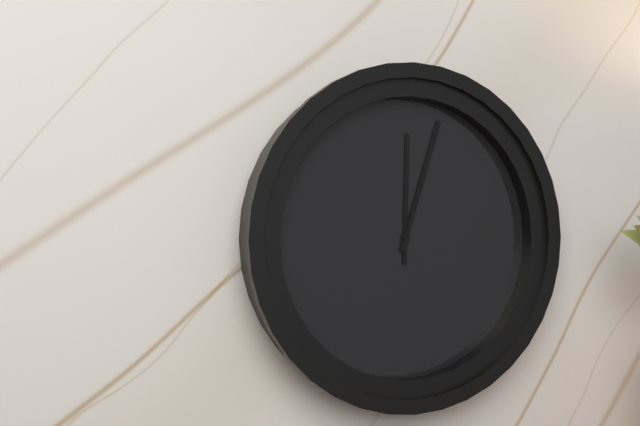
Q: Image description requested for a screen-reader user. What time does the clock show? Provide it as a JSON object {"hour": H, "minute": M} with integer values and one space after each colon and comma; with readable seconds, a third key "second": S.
{"hour": 12, "minute": 3}
